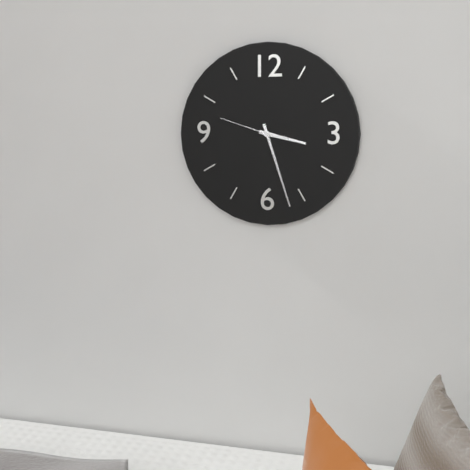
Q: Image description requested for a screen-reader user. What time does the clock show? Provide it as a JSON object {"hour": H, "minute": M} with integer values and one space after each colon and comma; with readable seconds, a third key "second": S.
{"hour": 3, "minute": 27, "second": 48}
